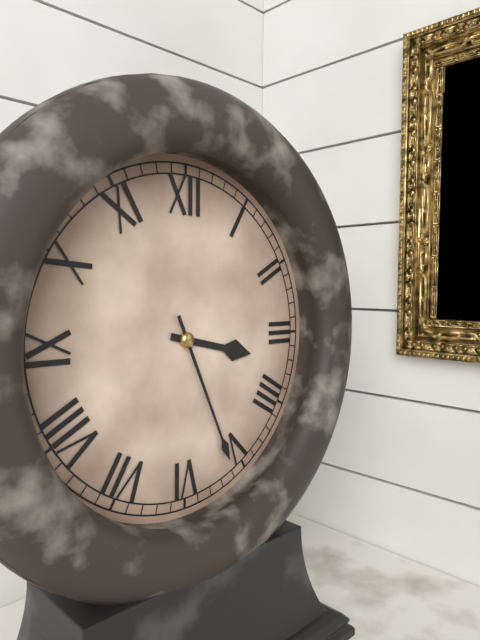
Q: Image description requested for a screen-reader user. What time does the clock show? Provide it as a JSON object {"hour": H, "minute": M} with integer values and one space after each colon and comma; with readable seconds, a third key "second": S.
{"hour": 3, "minute": 26}
